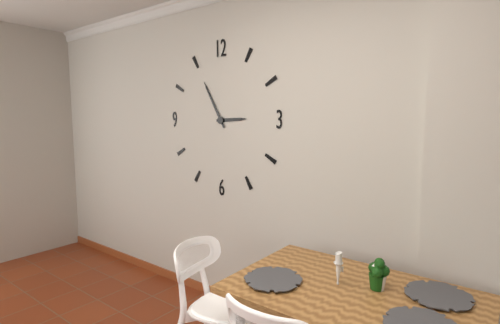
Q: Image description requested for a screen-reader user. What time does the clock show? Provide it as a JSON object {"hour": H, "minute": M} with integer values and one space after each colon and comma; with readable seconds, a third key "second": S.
{"hour": 2, "minute": 55}
